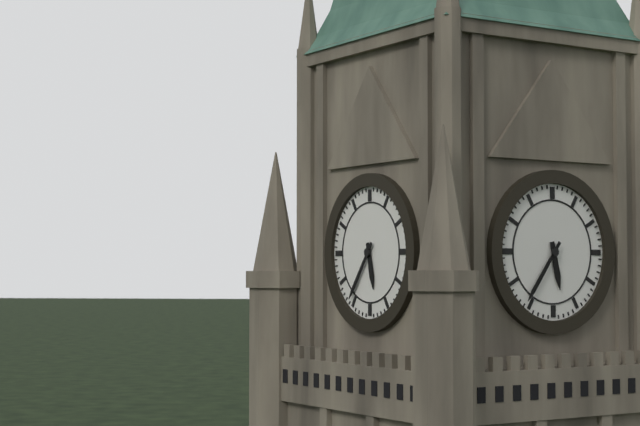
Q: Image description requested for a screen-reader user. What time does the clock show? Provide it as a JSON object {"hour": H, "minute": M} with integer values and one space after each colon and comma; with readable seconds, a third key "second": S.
{"hour": 5, "minute": 36}
